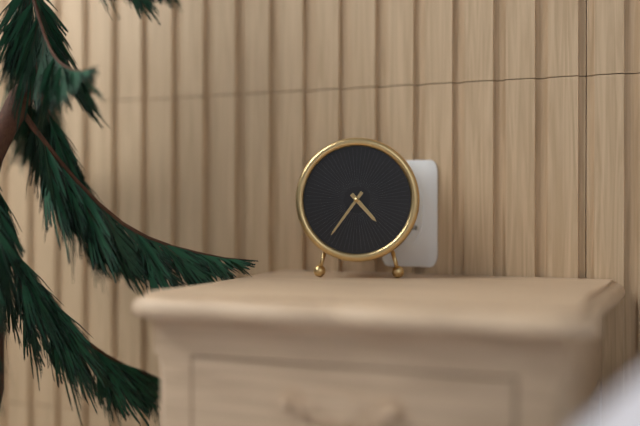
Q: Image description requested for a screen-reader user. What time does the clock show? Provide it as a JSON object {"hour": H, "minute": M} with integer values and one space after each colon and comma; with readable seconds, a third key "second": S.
{"hour": 4, "minute": 36}
